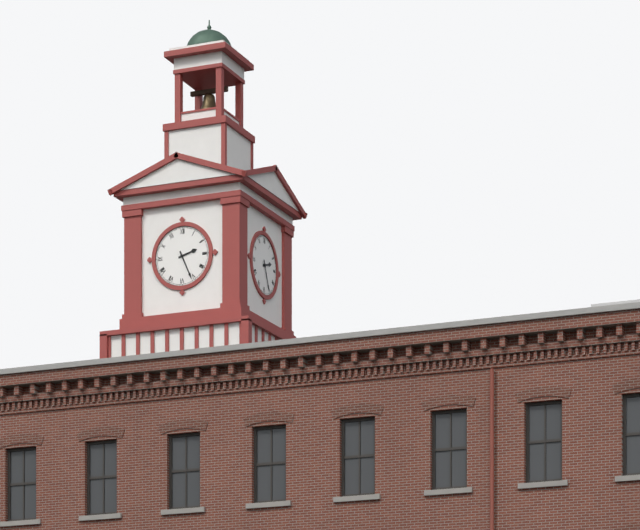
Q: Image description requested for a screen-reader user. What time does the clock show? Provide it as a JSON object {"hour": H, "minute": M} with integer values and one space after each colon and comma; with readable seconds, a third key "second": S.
{"hour": 2, "minute": 26}
